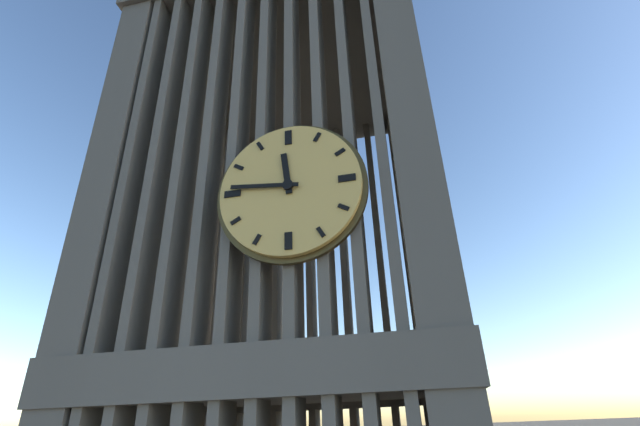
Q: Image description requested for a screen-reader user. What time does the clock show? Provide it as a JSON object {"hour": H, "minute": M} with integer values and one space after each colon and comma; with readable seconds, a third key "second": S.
{"hour": 11, "minute": 46}
